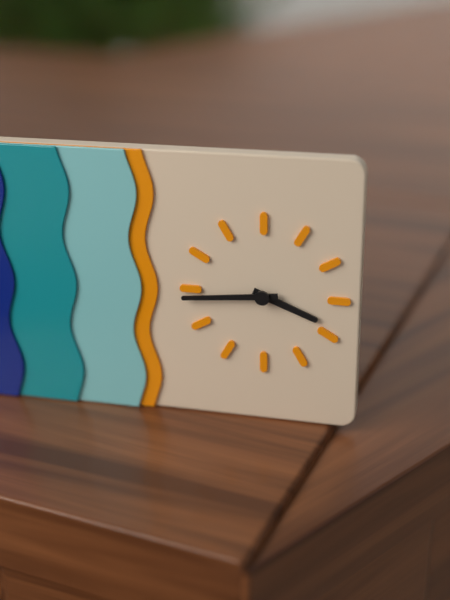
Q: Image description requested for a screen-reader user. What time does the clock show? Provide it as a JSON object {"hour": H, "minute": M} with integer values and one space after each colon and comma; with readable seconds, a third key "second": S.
{"hour": 3, "minute": 44}
